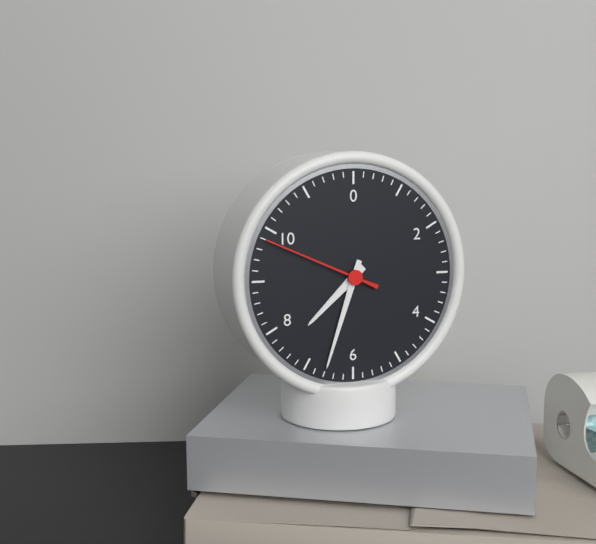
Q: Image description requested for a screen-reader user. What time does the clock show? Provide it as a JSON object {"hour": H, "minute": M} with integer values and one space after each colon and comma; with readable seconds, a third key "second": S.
{"hour": 7, "minute": 33, "second": 49}
